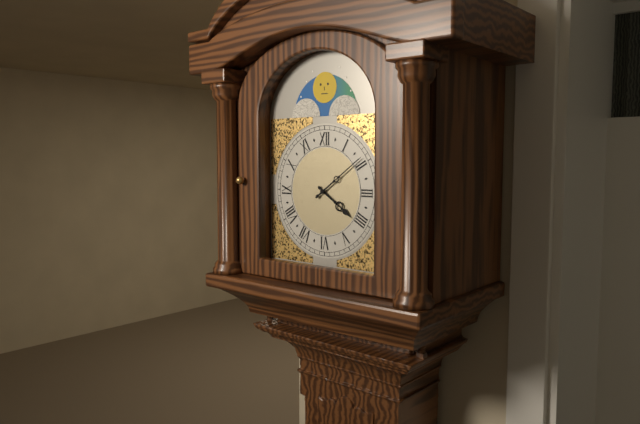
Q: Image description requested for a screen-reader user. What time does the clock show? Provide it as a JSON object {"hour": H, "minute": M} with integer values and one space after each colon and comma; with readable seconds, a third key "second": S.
{"hour": 4, "minute": 9}
